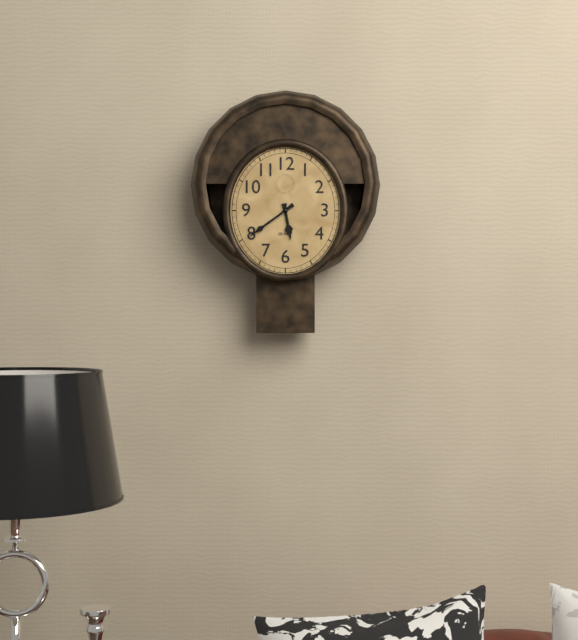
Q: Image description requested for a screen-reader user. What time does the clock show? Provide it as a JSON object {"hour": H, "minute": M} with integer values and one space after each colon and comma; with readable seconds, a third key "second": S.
{"hour": 5, "minute": 39}
